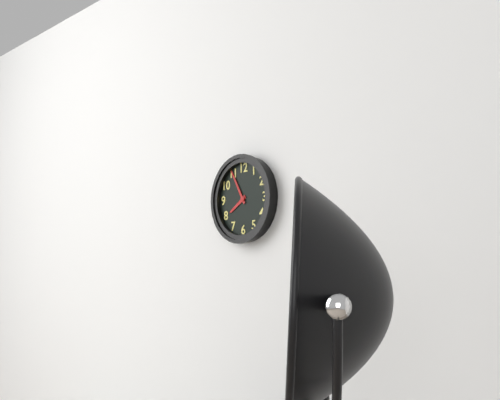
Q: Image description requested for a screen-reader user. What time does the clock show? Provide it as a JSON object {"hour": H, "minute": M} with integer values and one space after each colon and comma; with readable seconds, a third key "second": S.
{"hour": 7, "minute": 55}
